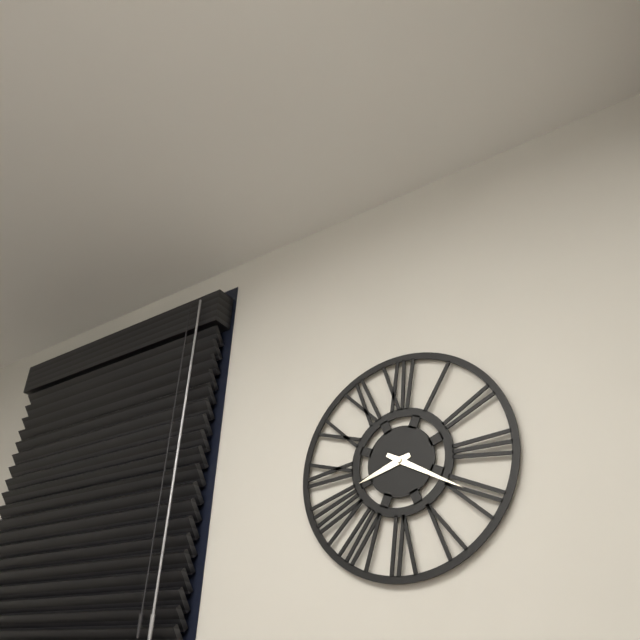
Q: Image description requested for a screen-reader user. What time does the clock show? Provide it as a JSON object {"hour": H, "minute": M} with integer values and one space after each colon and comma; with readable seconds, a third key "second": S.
{"hour": 8, "minute": 20}
